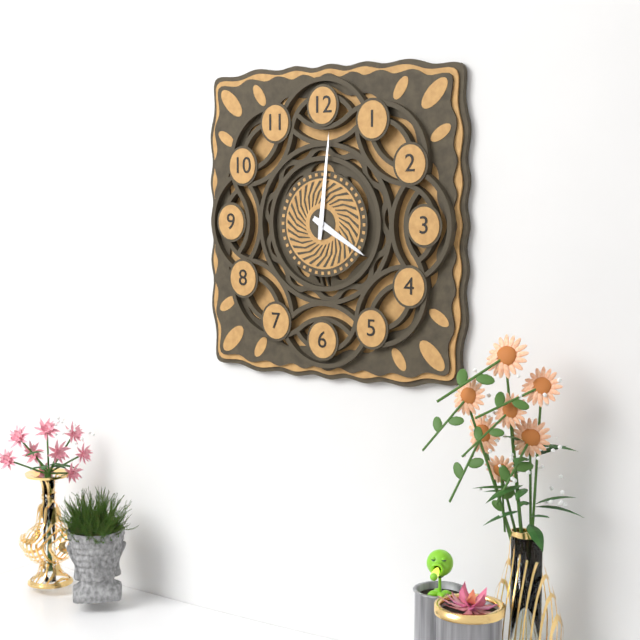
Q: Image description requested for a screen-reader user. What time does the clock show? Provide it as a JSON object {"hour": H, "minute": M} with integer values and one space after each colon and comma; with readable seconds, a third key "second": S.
{"hour": 4, "minute": 1}
